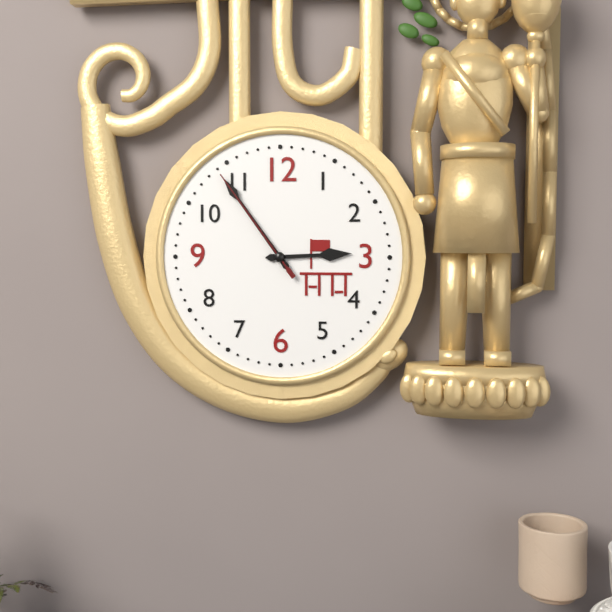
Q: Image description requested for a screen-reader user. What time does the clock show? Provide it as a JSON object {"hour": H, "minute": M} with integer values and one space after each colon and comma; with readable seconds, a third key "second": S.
{"hour": 2, "minute": 54, "second": 54}
